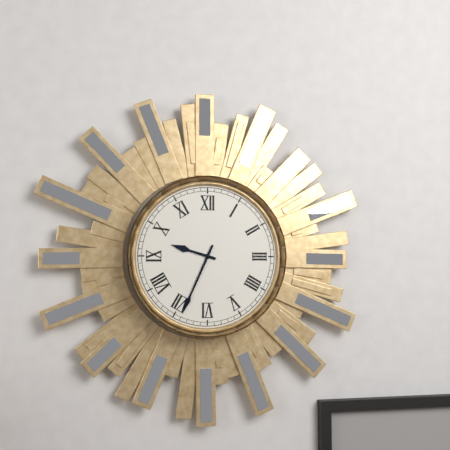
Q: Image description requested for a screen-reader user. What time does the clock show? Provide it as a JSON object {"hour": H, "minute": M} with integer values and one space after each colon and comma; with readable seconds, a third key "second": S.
{"hour": 9, "minute": 34}
